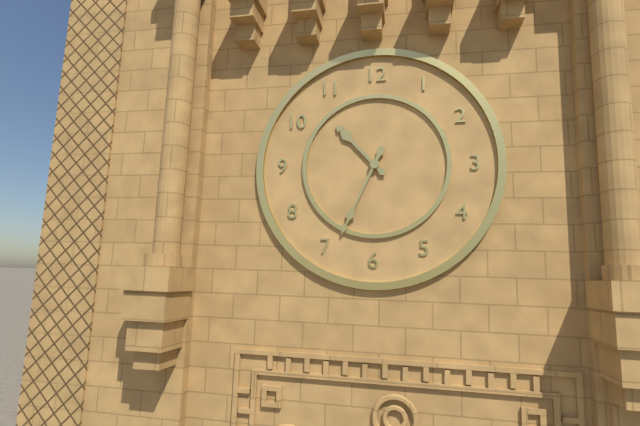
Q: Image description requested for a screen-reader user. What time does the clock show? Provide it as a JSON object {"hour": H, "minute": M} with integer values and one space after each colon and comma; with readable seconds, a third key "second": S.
{"hour": 10, "minute": 34}
